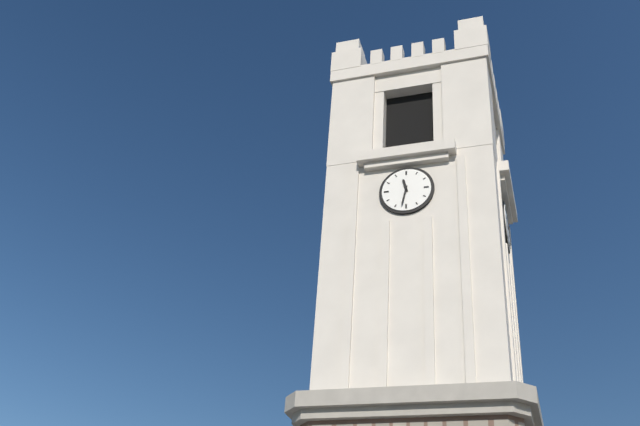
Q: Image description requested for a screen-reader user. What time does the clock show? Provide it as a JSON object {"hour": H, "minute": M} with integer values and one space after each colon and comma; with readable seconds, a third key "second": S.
{"hour": 11, "minute": 32}
